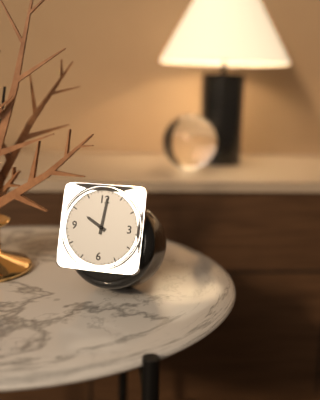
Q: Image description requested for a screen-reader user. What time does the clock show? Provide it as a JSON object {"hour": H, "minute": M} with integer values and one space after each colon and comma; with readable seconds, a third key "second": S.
{"hour": 10, "minute": 1}
